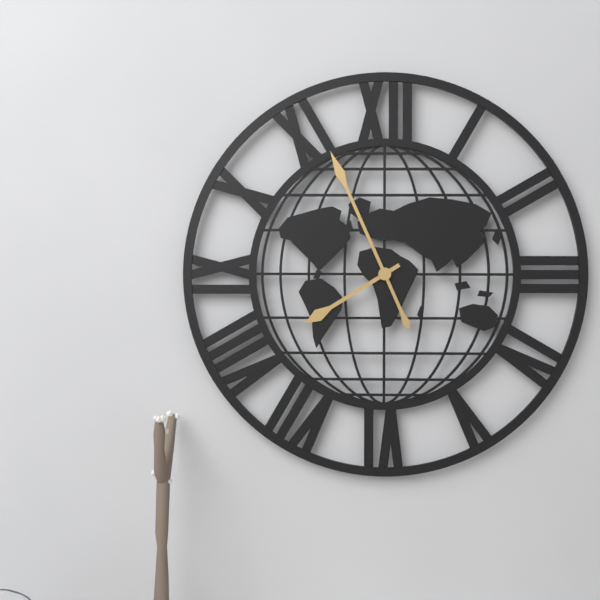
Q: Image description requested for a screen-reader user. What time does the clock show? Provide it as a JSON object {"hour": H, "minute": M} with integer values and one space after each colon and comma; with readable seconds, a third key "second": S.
{"hour": 7, "minute": 56}
